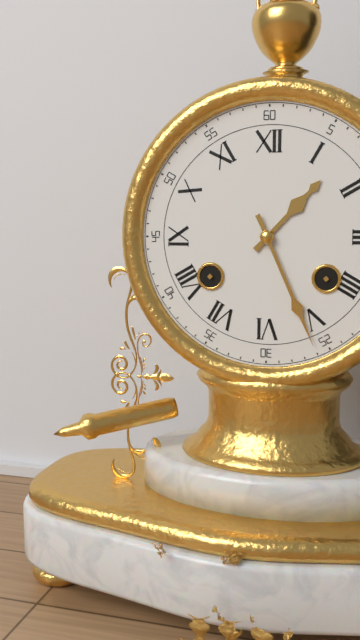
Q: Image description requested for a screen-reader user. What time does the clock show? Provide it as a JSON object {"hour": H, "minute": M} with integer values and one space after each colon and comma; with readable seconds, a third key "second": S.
{"hour": 1, "minute": 26}
